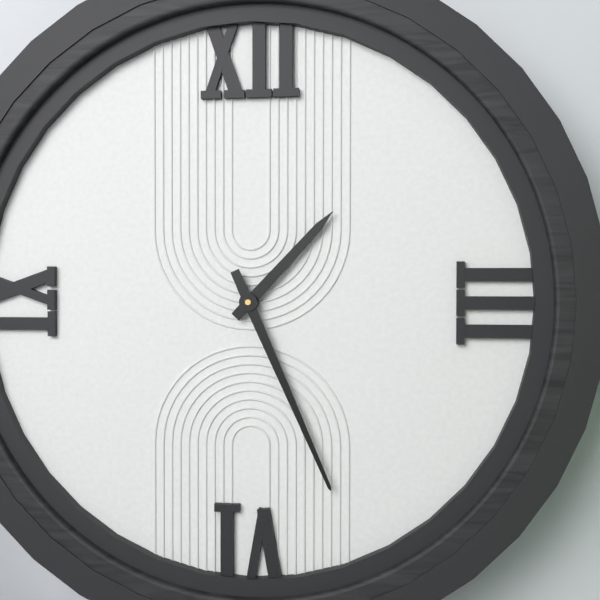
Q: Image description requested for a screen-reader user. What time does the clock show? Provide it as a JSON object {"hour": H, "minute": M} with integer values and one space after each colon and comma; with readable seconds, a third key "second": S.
{"hour": 1, "minute": 26}
